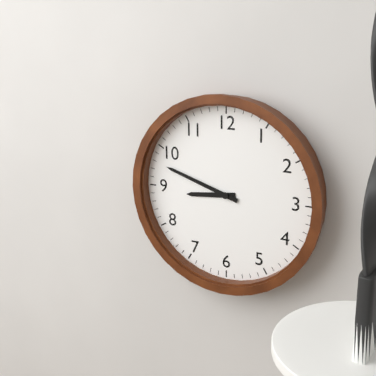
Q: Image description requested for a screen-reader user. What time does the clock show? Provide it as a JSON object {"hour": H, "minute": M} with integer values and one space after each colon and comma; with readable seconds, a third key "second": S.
{"hour": 8, "minute": 48}
